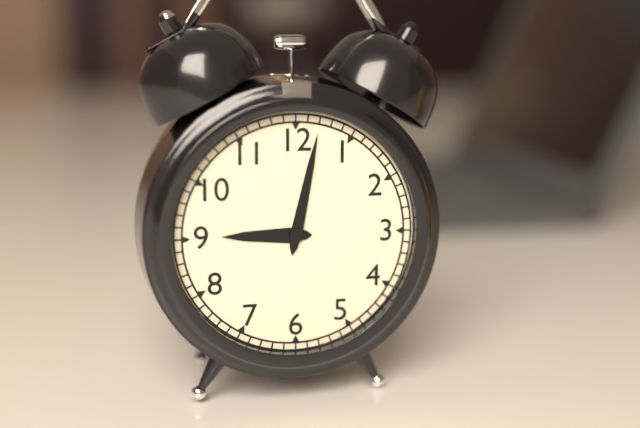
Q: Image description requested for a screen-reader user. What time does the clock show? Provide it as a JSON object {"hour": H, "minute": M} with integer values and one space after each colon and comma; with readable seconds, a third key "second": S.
{"hour": 9, "minute": 2}
